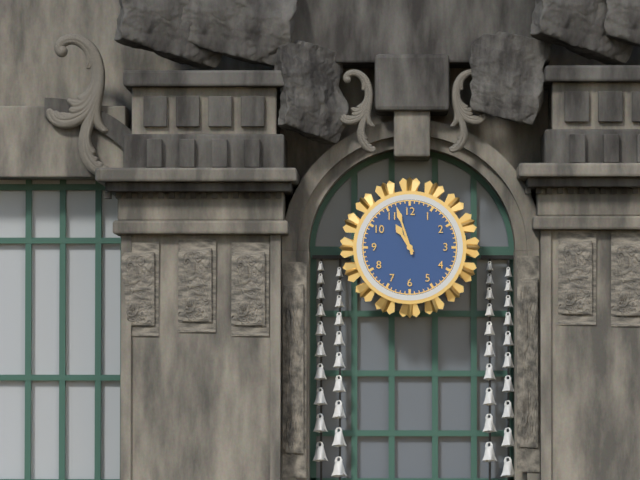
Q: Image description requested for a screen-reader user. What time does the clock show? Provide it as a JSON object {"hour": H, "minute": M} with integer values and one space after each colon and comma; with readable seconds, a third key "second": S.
{"hour": 10, "minute": 57}
